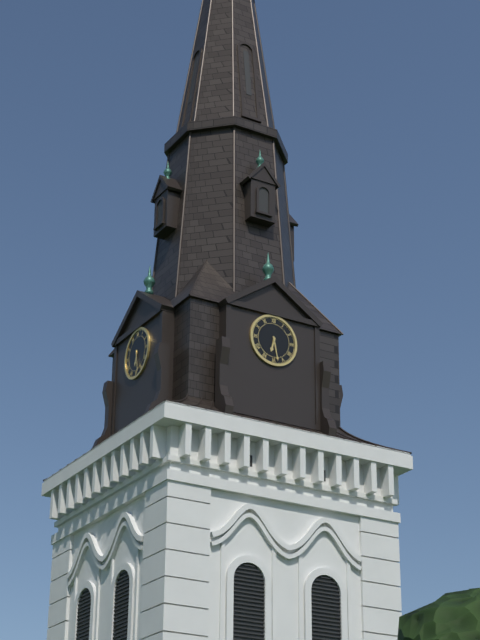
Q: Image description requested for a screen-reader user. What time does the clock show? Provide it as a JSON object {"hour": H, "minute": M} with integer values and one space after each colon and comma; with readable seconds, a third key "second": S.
{"hour": 6, "minute": 28}
